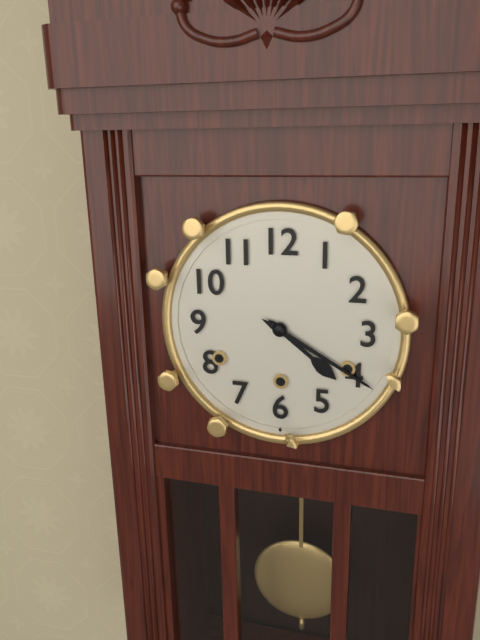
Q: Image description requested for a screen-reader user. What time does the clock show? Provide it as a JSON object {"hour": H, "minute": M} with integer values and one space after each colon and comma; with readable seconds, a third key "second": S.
{"hour": 4, "minute": 20}
